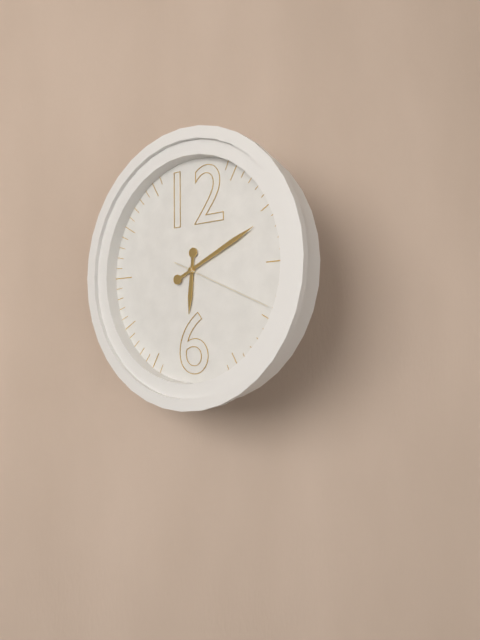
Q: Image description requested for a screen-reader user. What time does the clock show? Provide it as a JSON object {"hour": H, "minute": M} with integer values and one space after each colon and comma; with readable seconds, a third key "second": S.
{"hour": 6, "minute": 11, "second": 19}
